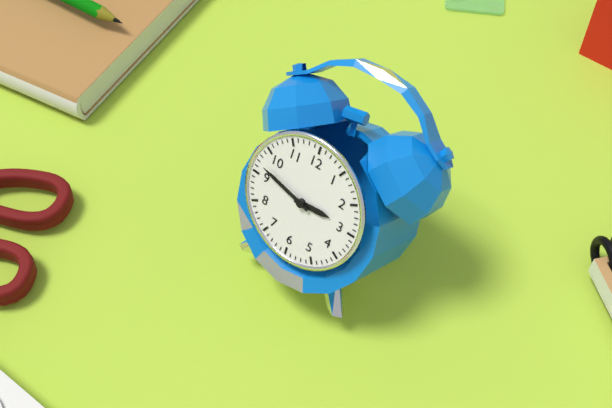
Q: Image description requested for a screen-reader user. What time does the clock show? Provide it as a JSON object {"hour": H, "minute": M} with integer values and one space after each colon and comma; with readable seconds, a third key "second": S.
{"hour": 2, "minute": 47}
